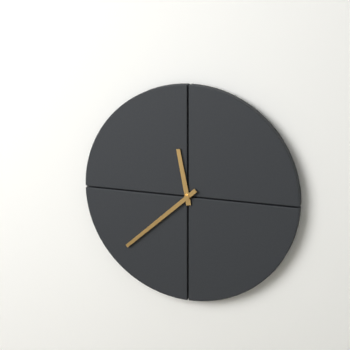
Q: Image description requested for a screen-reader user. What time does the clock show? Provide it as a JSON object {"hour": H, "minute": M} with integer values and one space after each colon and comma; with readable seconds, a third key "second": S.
{"hour": 11, "minute": 38}
